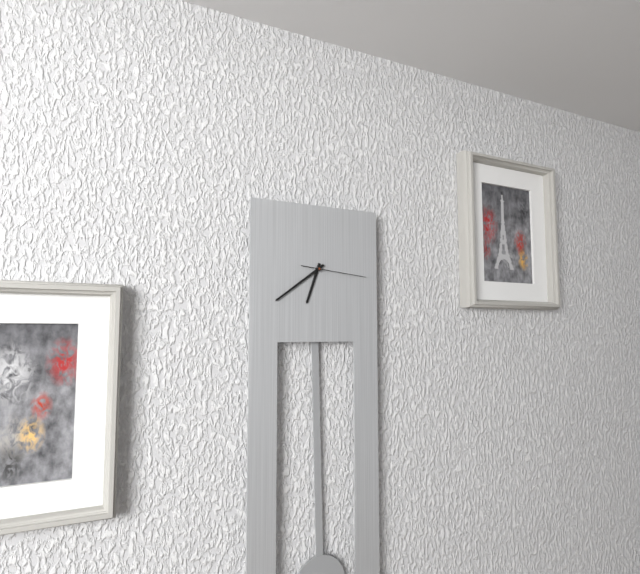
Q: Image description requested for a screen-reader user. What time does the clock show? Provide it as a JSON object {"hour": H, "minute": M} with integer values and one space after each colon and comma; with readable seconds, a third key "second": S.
{"hour": 6, "minute": 39, "second": 16}
